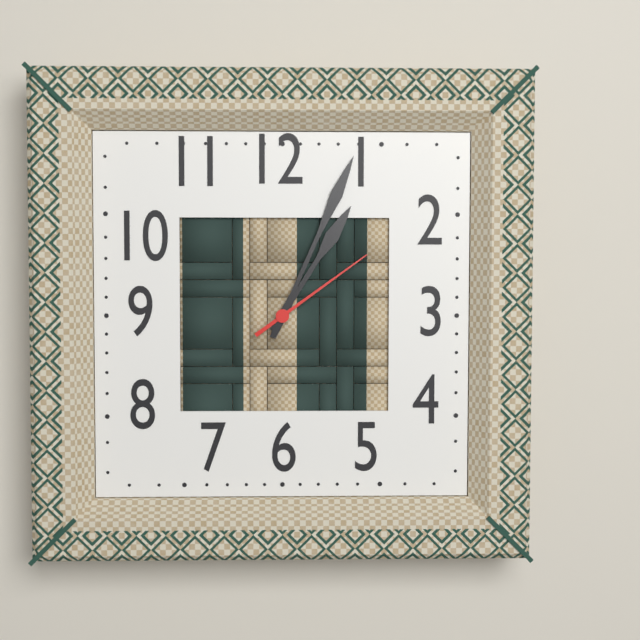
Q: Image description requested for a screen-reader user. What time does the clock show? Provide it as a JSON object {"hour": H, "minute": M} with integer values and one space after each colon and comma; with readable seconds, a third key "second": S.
{"hour": 1, "minute": 4, "second": 9}
